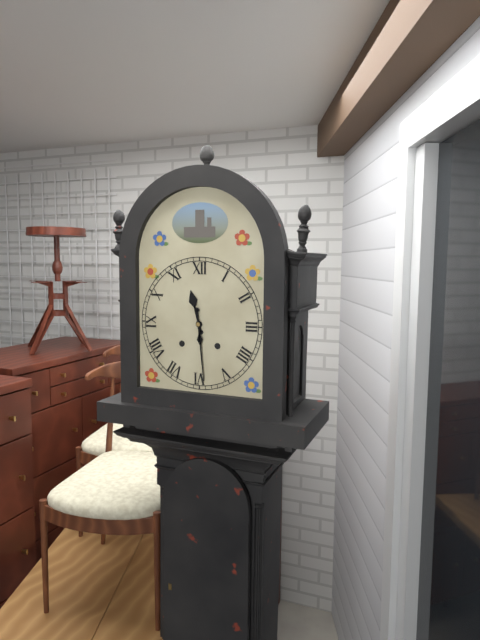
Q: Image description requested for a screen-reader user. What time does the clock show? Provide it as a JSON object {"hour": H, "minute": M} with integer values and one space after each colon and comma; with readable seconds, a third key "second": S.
{"hour": 11, "minute": 29}
